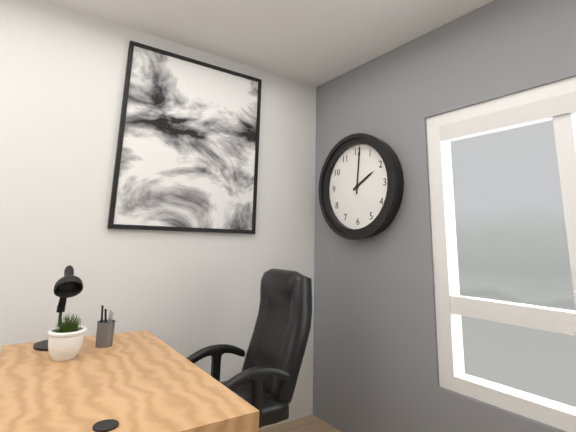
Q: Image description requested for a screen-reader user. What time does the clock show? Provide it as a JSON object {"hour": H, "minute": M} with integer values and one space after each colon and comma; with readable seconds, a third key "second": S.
{"hour": 2, "minute": 1}
